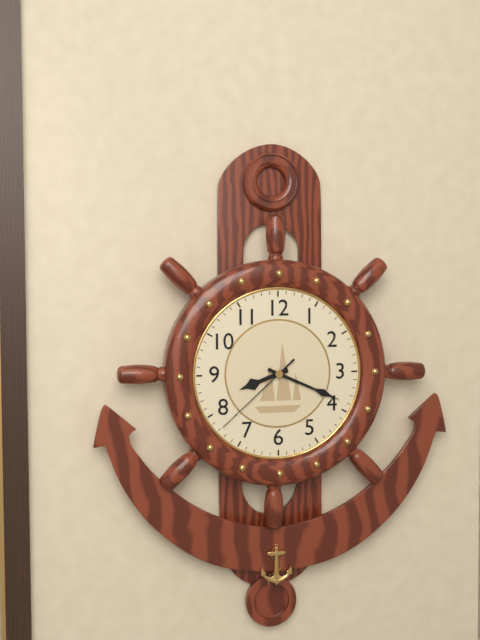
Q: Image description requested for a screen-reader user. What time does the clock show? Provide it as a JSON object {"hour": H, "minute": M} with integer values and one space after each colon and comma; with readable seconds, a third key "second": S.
{"hour": 8, "minute": 19, "second": 38}
